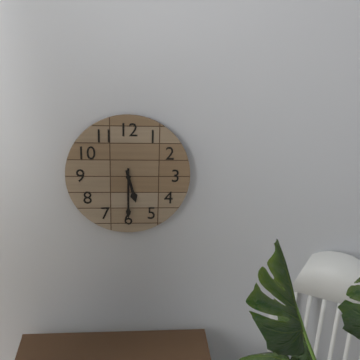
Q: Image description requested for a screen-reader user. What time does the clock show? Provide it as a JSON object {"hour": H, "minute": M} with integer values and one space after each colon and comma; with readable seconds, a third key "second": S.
{"hour": 5, "minute": 30}
